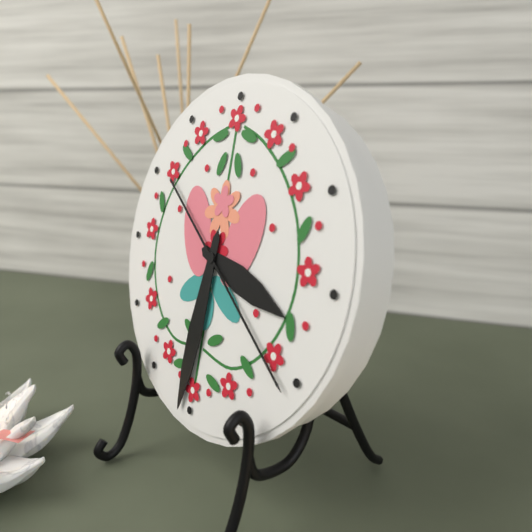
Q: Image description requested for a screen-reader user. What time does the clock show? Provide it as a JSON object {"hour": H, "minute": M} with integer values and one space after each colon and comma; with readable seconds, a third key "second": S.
{"hour": 3, "minute": 31, "second": 21}
